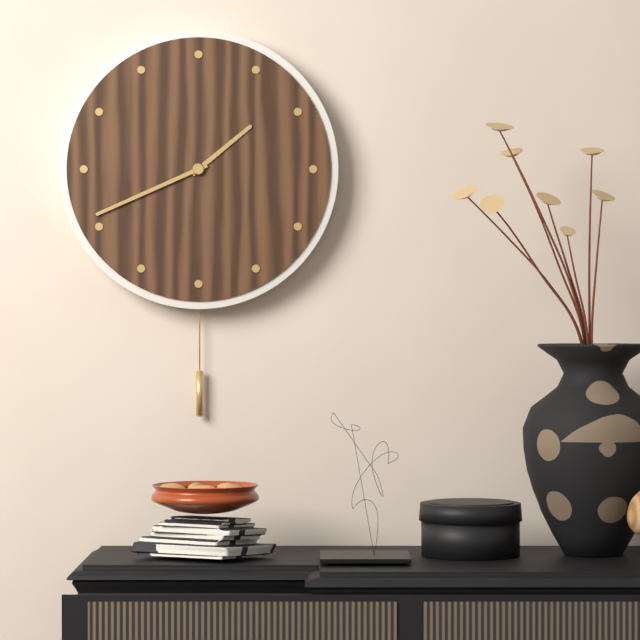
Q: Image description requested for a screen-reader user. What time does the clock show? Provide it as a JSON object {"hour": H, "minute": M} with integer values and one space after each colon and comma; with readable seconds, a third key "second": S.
{"hour": 1, "minute": 41}
